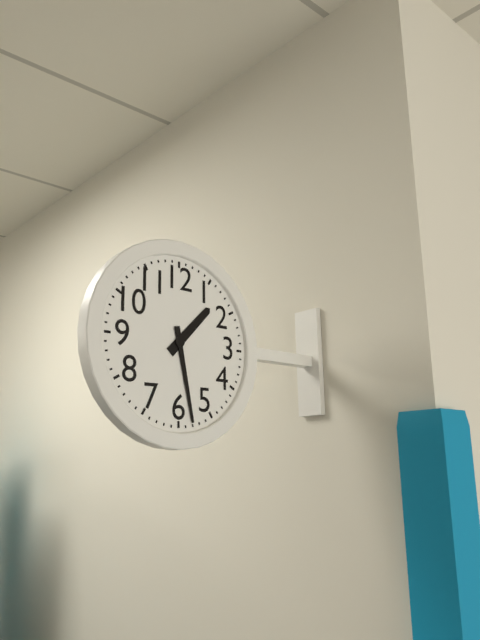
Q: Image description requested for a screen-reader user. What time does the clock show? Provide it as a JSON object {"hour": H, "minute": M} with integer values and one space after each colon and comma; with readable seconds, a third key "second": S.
{"hour": 1, "minute": 28}
